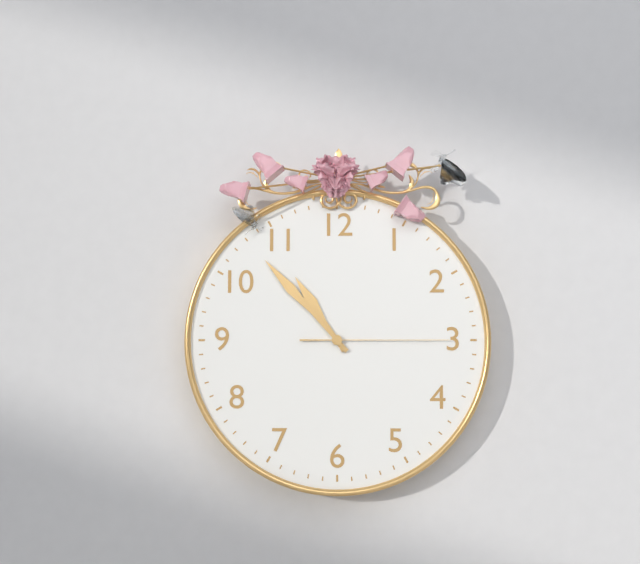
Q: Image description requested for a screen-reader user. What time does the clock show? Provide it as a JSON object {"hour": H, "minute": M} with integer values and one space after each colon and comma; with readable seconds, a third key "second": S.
{"hour": 10, "minute": 53, "second": 15}
